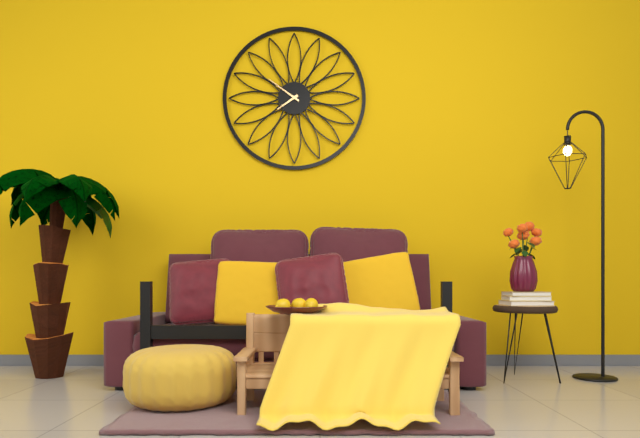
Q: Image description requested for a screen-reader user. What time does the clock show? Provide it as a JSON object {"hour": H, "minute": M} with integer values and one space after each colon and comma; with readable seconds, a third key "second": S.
{"hour": 7, "minute": 51}
